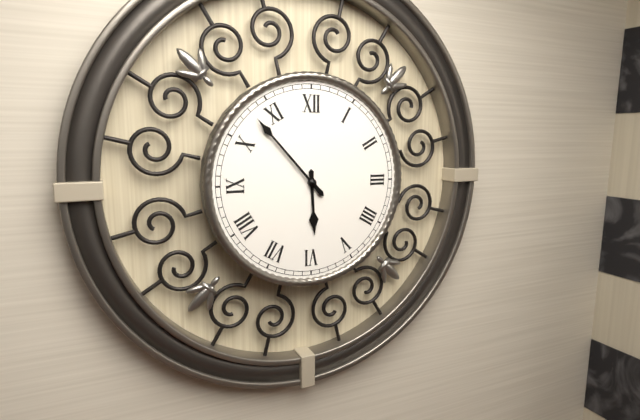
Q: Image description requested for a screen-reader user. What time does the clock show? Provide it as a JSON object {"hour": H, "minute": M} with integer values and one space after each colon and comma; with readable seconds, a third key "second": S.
{"hour": 5, "minute": 53}
